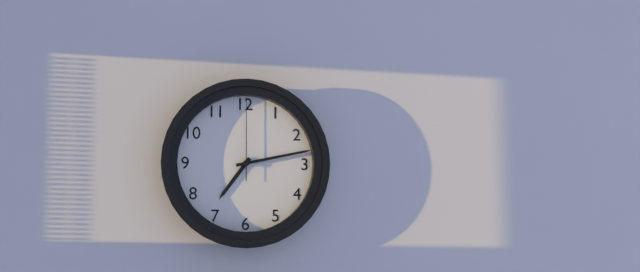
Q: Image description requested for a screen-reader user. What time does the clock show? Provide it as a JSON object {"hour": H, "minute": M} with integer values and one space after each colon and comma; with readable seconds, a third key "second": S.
{"hour": 7, "minute": 13, "second": 0}
